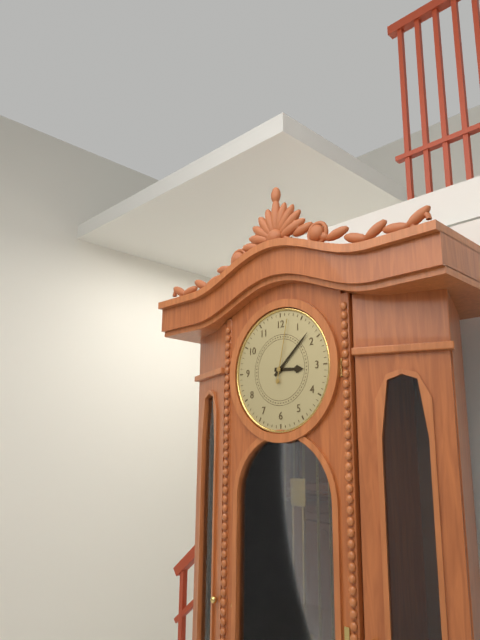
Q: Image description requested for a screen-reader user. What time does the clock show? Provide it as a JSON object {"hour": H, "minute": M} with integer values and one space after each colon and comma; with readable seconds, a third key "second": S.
{"hour": 3, "minute": 8, "second": 2}
